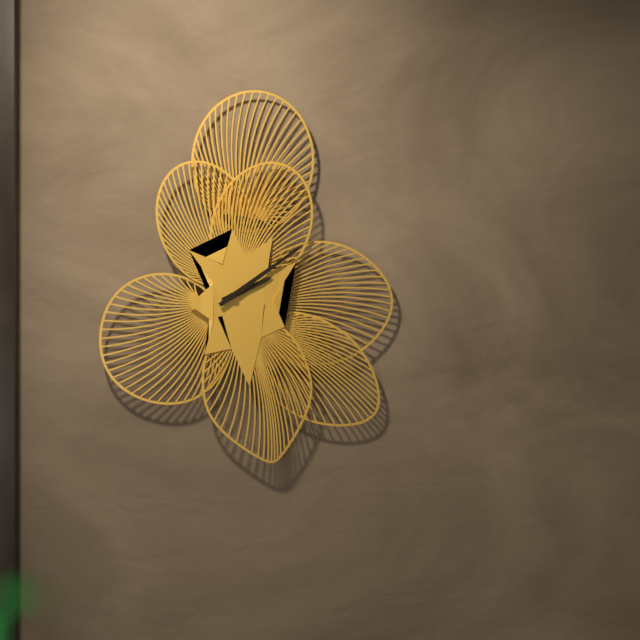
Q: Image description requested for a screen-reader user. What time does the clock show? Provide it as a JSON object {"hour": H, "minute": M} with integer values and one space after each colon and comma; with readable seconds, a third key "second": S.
{"hour": 2, "minute": 9}
